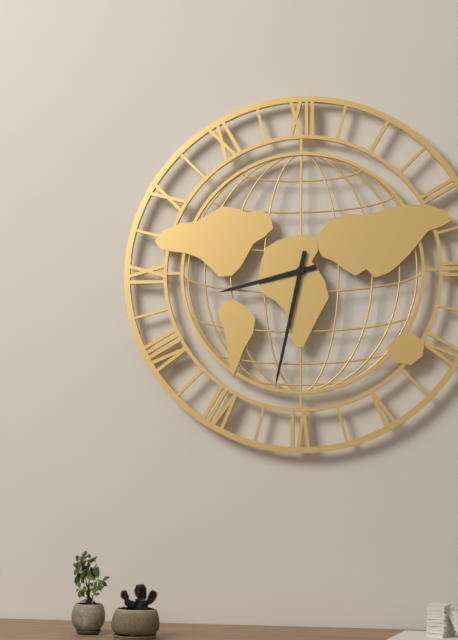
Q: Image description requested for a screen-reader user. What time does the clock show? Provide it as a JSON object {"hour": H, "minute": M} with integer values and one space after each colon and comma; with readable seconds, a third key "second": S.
{"hour": 8, "minute": 32}
